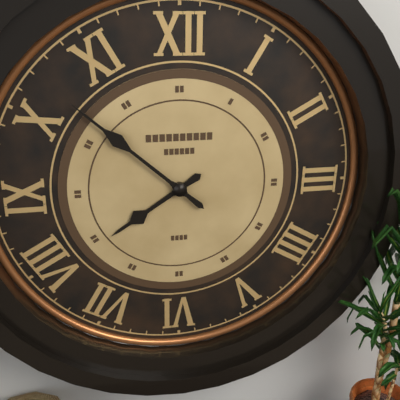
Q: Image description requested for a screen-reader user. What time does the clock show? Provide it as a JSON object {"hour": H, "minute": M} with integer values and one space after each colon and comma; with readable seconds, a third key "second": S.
{"hour": 7, "minute": 52}
